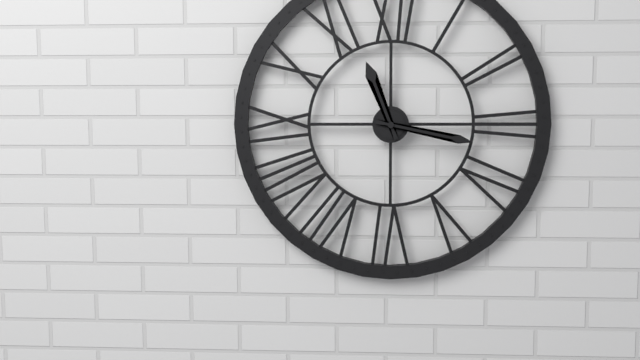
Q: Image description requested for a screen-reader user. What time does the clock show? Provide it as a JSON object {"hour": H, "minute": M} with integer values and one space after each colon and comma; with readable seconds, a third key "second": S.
{"hour": 11, "minute": 17}
